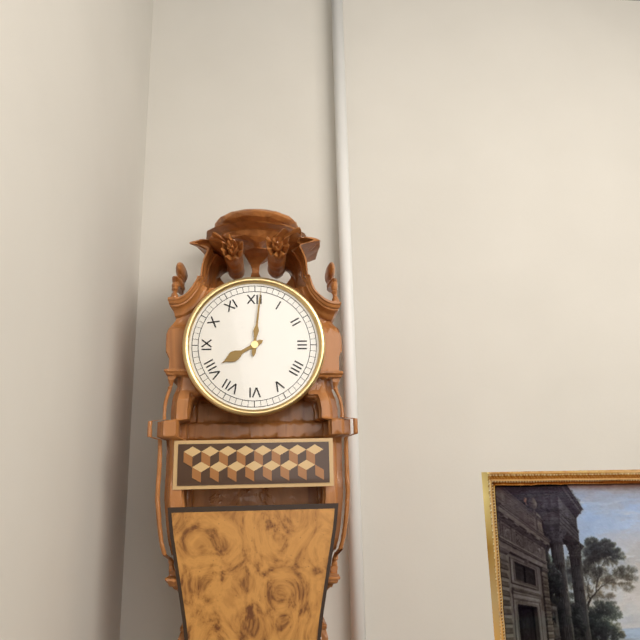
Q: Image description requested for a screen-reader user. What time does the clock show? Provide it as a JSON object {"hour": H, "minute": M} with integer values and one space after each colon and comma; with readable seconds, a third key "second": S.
{"hour": 8, "minute": 1}
